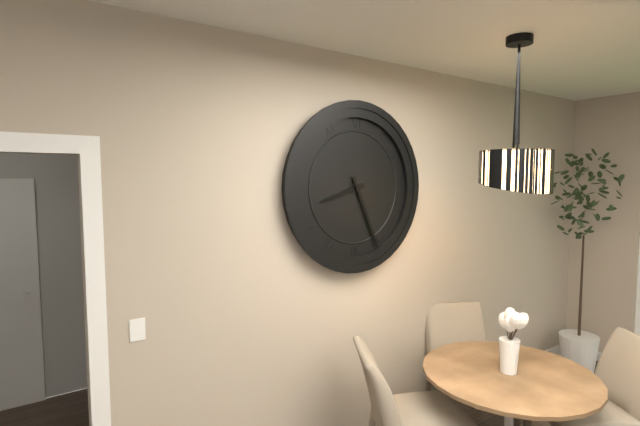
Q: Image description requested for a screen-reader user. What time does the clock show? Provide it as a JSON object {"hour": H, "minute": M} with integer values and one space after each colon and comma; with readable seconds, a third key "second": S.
{"hour": 8, "minute": 26}
